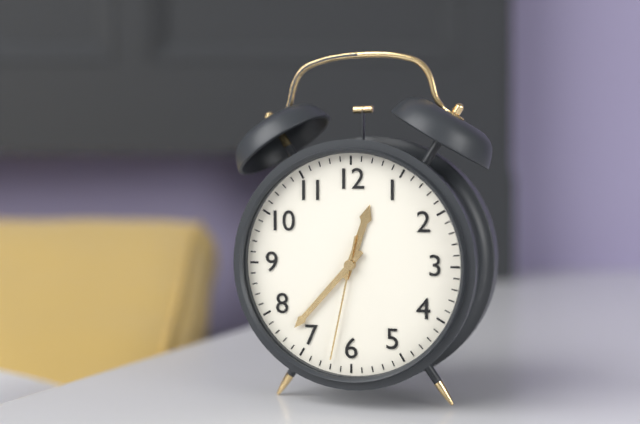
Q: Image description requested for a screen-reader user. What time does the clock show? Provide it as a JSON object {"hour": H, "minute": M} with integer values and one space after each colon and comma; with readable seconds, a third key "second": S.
{"hour": 12, "minute": 37, "second": 32}
